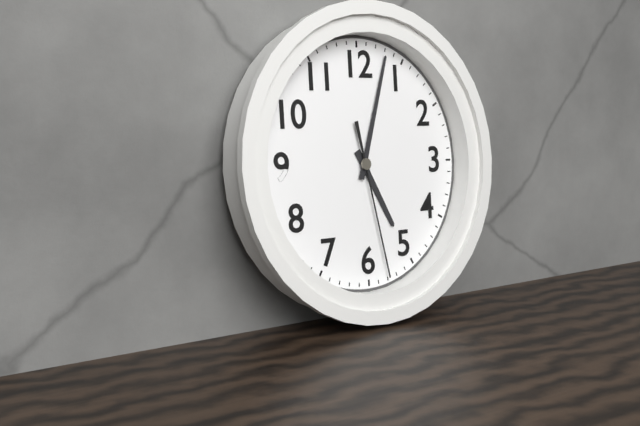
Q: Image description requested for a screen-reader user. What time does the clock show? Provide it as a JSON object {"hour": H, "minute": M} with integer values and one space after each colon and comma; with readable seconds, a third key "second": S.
{"hour": 5, "minute": 3, "second": 28}
